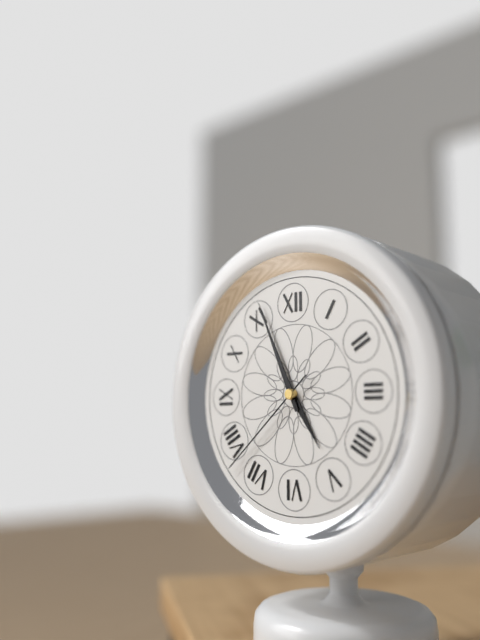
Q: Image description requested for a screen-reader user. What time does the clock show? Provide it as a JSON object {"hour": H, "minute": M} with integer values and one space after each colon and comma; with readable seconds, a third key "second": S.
{"hour": 4, "minute": 56, "second": 38}
